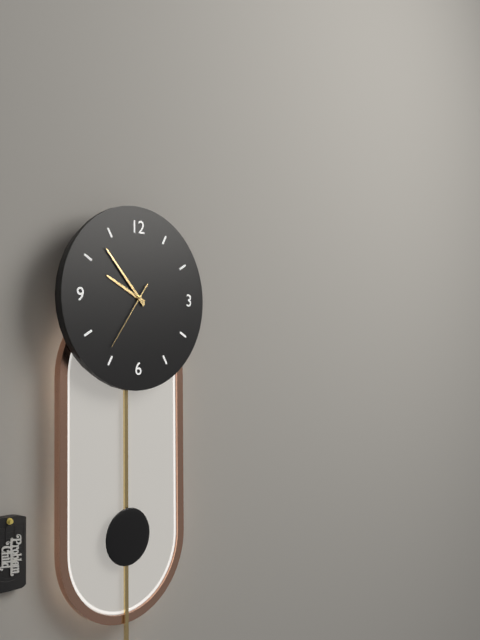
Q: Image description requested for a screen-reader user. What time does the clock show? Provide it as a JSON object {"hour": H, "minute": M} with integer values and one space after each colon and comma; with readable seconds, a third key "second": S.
{"hour": 9, "minute": 53, "second": 36}
